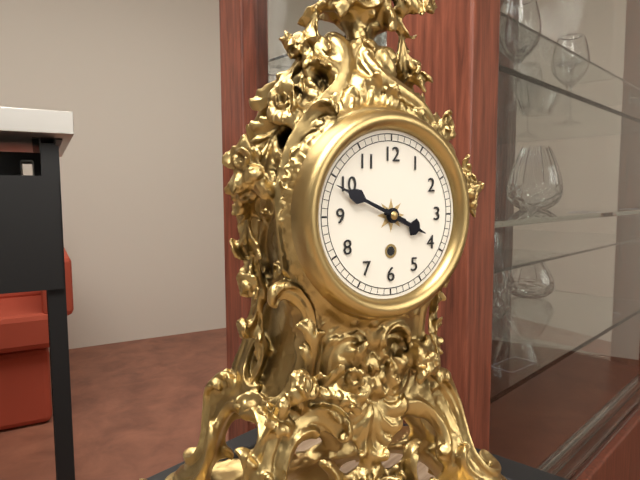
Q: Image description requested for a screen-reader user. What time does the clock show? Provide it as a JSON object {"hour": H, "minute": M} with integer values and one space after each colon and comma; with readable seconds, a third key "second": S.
{"hour": 3, "minute": 49}
